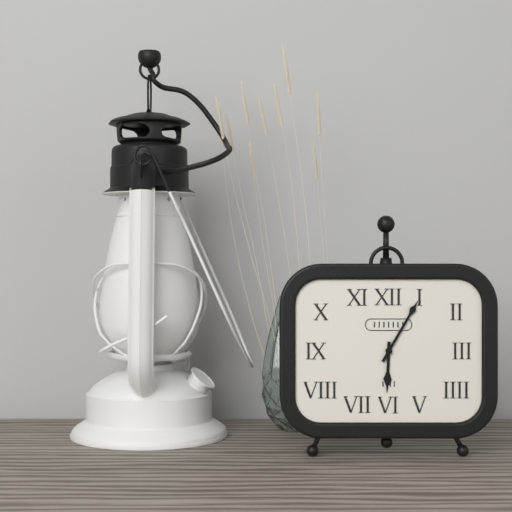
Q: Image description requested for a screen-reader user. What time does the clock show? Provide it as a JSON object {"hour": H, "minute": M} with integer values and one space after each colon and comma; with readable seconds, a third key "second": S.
{"hour": 6, "minute": 5}
